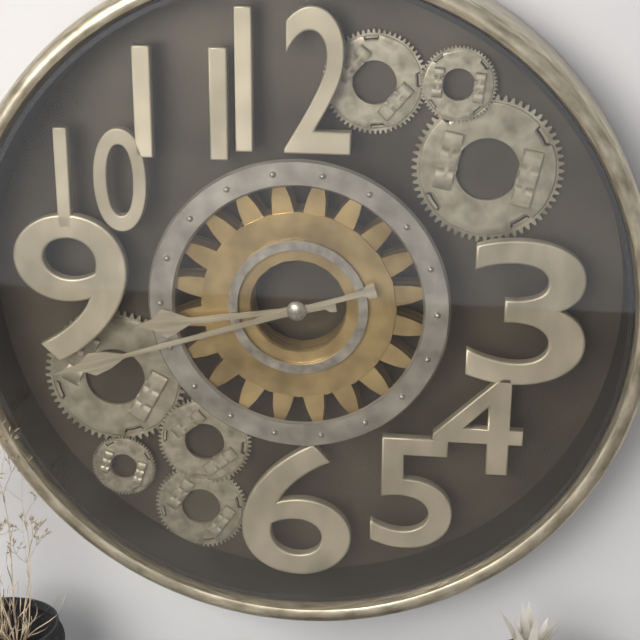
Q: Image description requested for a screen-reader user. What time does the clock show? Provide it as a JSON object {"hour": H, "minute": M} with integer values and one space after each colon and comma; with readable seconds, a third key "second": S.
{"hour": 8, "minute": 42}
